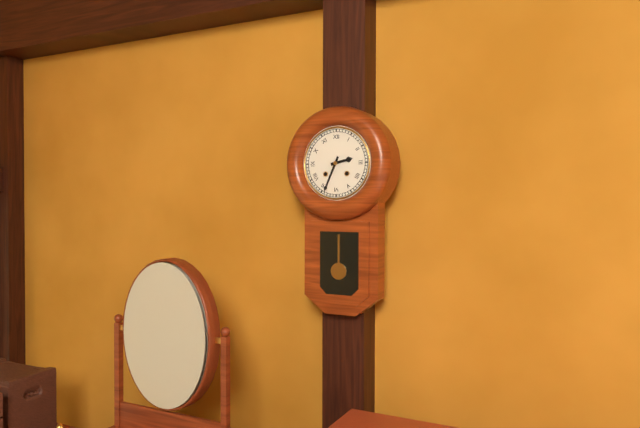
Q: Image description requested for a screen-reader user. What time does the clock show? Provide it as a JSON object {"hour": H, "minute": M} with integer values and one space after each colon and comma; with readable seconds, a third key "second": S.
{"hour": 2, "minute": 34}
